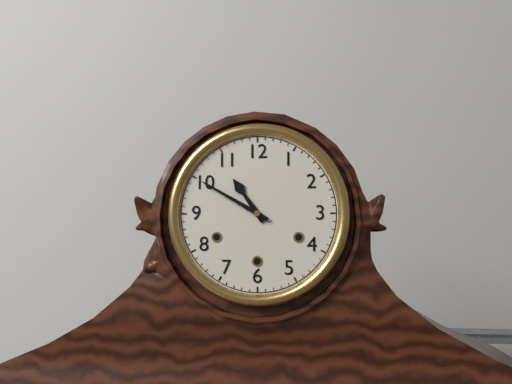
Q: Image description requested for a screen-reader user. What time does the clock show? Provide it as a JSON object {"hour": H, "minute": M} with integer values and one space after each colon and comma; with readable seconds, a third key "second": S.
{"hour": 10, "minute": 50}
